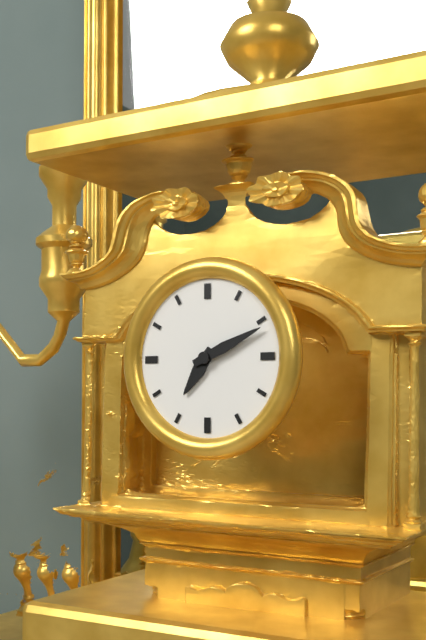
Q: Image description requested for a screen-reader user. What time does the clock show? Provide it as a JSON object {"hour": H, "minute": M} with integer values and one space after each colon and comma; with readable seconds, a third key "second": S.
{"hour": 7, "minute": 11}
